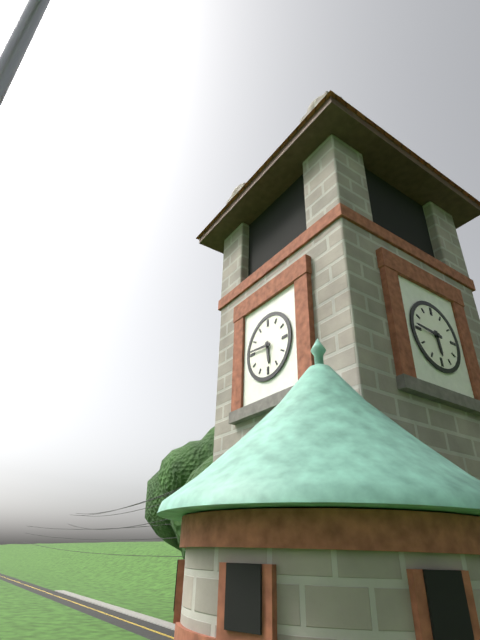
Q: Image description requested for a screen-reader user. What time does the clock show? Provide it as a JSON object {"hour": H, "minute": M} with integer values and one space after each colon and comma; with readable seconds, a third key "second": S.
{"hour": 5, "minute": 46}
